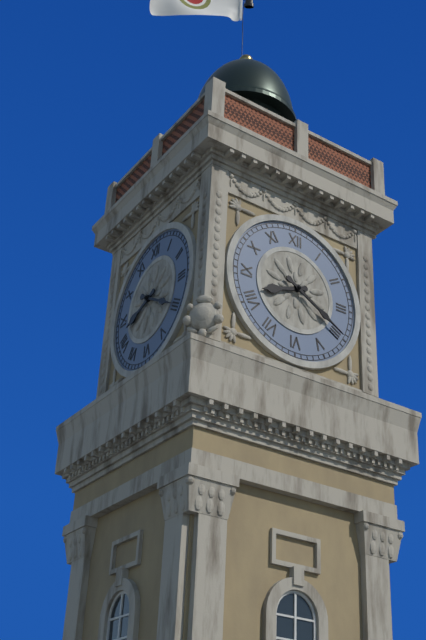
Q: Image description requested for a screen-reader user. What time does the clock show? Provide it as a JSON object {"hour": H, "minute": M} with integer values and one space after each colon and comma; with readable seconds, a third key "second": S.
{"hour": 8, "minute": 20}
